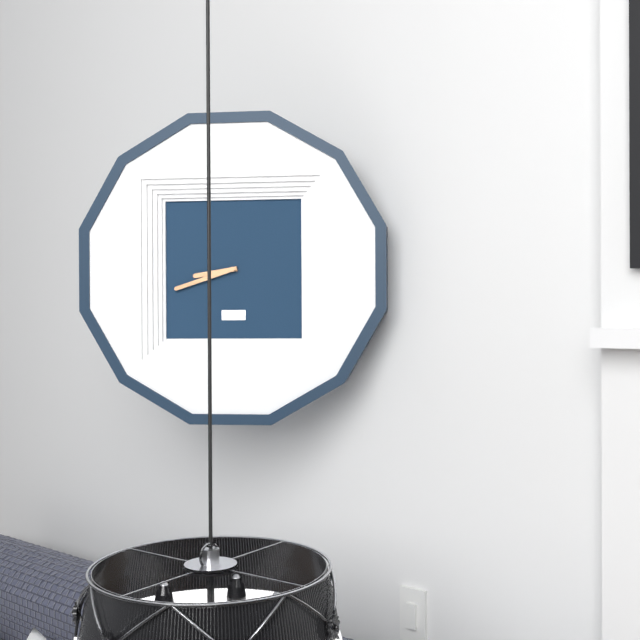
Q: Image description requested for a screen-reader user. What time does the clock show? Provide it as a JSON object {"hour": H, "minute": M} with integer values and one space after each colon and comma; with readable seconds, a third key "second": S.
{"hour": 8, "minute": 42}
